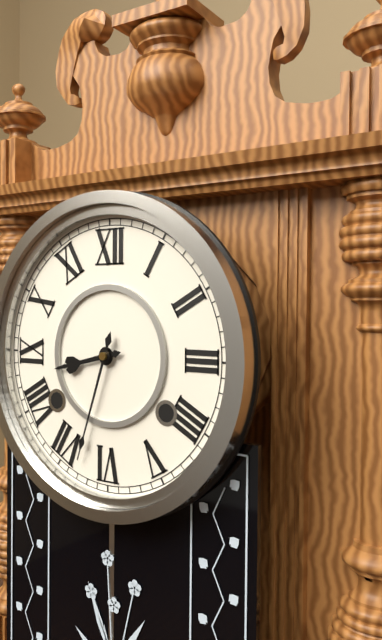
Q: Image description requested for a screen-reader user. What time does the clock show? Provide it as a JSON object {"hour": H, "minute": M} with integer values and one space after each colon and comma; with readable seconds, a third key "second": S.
{"hour": 8, "minute": 33}
